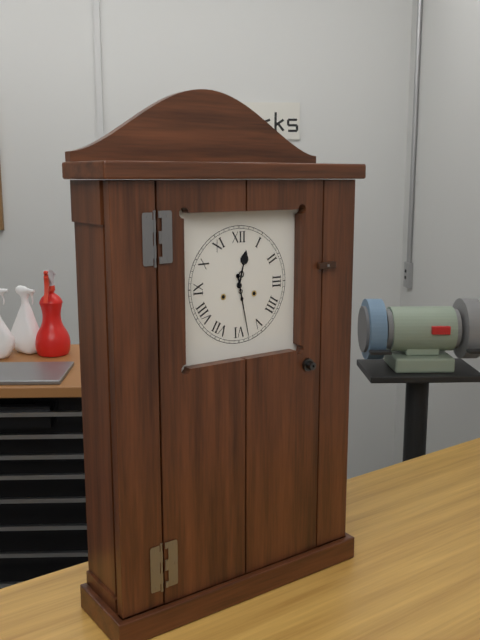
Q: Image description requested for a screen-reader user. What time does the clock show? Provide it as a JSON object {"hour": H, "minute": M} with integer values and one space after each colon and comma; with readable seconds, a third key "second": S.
{"hour": 12, "minute": 28}
